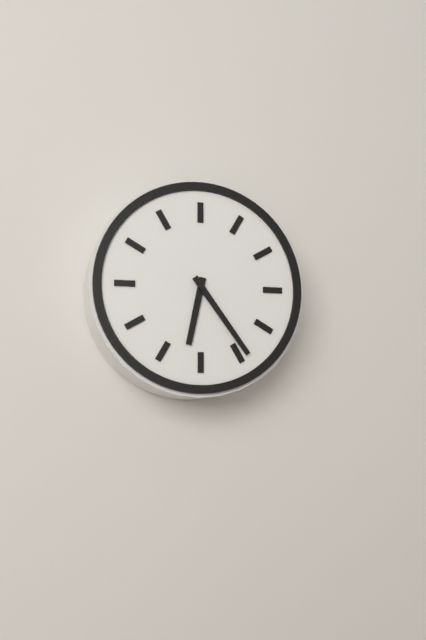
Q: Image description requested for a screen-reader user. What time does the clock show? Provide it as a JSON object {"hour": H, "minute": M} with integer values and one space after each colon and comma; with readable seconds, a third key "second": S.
{"hour": 6, "minute": 24}
